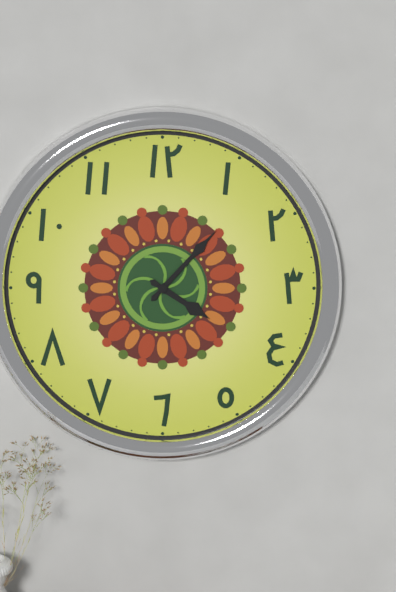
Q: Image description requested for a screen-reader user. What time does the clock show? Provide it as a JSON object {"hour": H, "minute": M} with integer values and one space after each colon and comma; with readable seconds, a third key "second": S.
{"hour": 4, "minute": 7}
